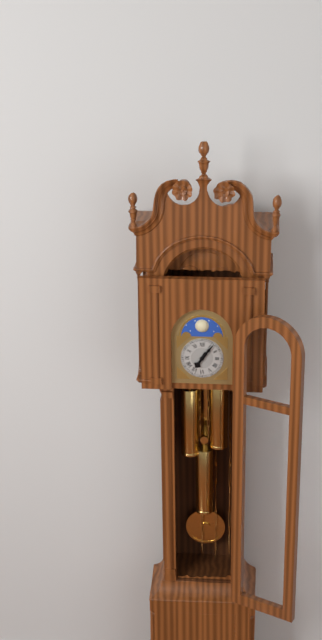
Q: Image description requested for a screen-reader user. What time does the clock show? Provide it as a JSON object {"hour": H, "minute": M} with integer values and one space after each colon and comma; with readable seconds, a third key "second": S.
{"hour": 7, "minute": 6}
